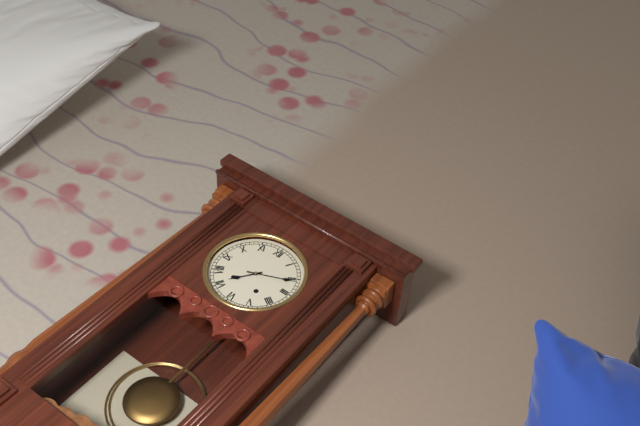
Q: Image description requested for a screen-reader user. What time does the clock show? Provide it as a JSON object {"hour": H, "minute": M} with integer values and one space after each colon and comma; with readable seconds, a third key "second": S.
{"hour": 7, "minute": 11}
